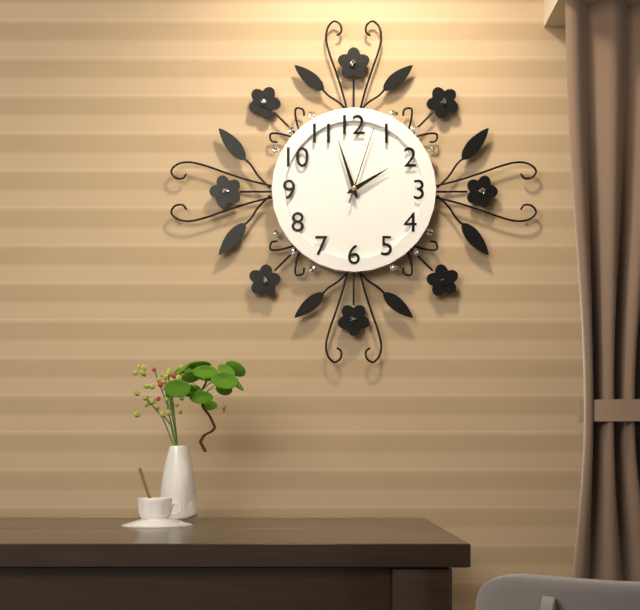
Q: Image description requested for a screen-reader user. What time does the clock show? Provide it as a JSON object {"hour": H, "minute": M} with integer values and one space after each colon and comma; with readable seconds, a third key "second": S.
{"hour": 1, "minute": 57, "second": 3}
